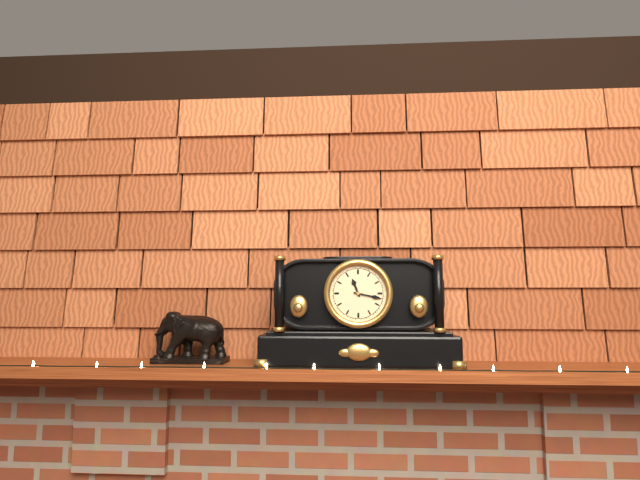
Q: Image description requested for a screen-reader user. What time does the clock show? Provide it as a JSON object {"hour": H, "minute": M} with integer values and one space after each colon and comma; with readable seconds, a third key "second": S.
{"hour": 11, "minute": 17}
